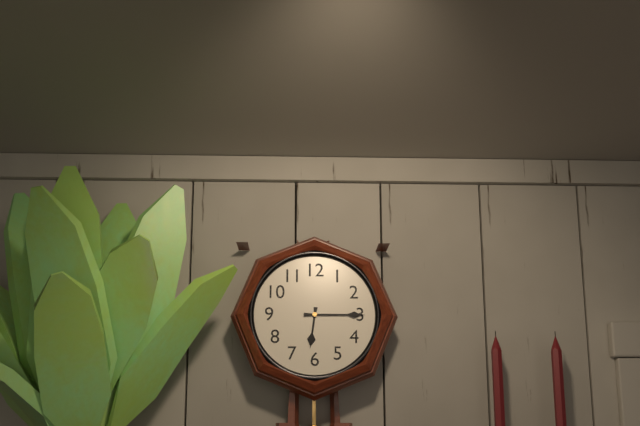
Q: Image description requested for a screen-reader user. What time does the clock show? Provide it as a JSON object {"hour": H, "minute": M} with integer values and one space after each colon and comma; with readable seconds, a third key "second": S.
{"hour": 6, "minute": 15}
